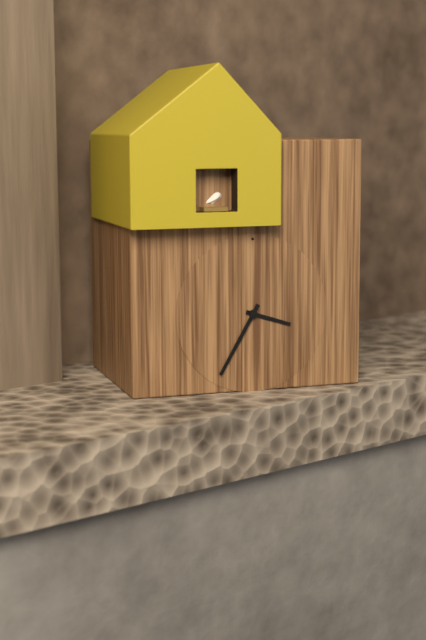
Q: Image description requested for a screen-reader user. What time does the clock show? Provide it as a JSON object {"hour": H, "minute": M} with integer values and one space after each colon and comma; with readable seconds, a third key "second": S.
{"hour": 3, "minute": 35}
